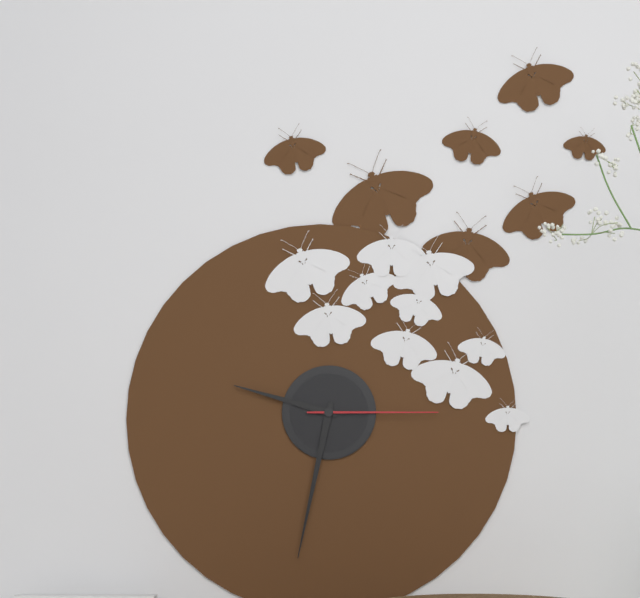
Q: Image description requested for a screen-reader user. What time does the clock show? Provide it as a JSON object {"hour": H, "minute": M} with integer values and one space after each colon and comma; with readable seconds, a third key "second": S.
{"hour": 9, "minute": 32, "second": 15}
